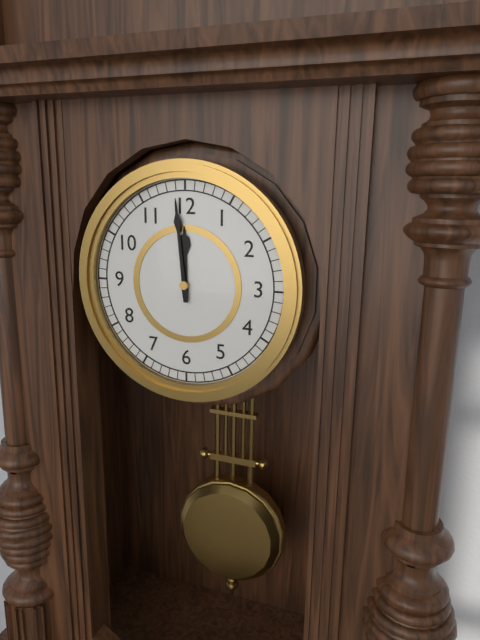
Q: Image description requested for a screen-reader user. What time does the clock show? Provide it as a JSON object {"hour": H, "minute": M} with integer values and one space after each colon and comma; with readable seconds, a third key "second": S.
{"hour": 11, "minute": 59}
